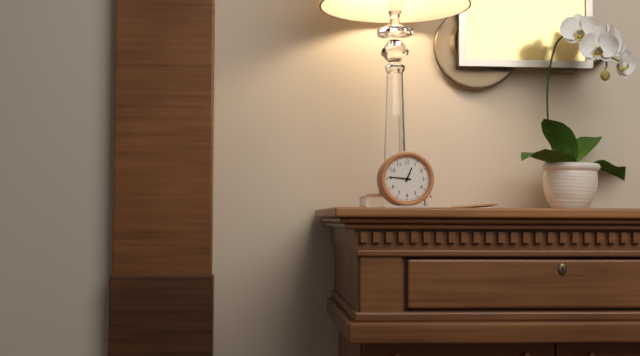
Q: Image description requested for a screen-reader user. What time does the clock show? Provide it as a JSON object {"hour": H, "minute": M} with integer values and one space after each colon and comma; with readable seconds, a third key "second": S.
{"hour": 12, "minute": 46}
